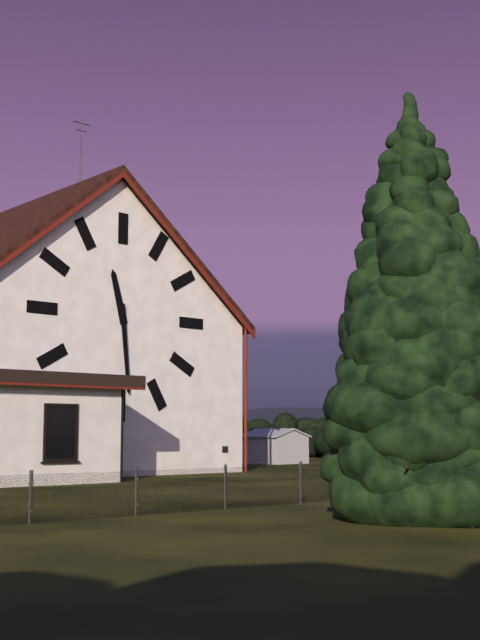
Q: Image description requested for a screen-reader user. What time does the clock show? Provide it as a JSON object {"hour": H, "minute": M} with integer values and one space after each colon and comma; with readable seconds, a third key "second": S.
{"hour": 11, "minute": 29}
